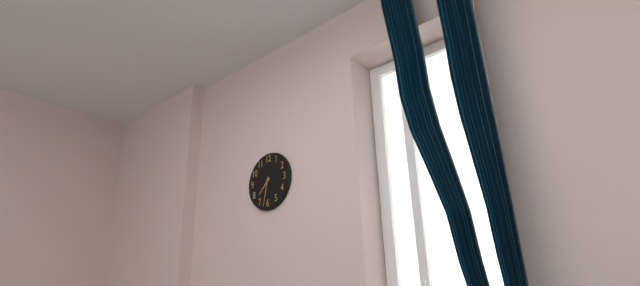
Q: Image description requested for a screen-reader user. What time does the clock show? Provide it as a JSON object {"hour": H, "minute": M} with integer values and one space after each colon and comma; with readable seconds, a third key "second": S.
{"hour": 7, "minute": 32}
